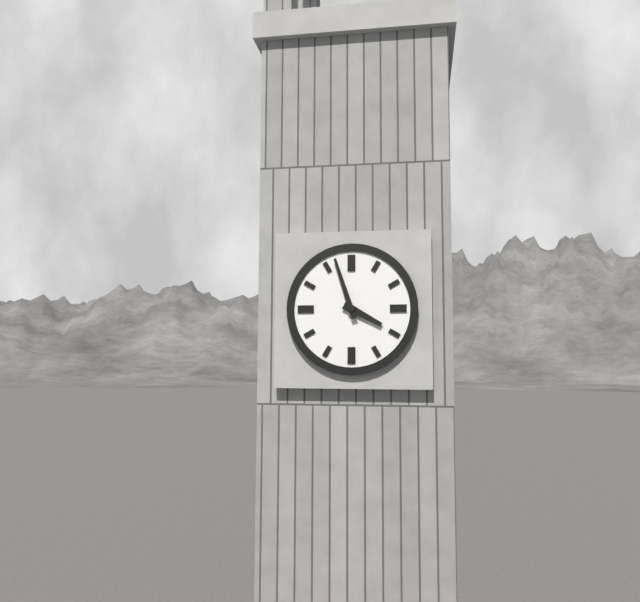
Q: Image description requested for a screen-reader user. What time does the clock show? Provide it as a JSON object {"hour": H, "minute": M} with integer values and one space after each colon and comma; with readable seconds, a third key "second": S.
{"hour": 3, "minute": 57}
